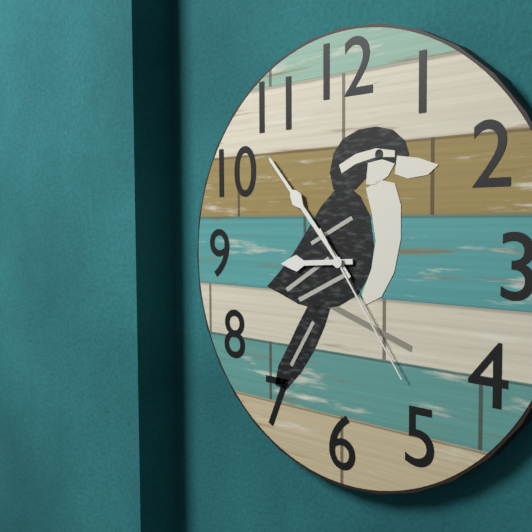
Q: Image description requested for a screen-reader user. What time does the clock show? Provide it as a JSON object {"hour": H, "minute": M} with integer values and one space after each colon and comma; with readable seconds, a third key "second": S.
{"hour": 8, "minute": 53, "second": 24}
